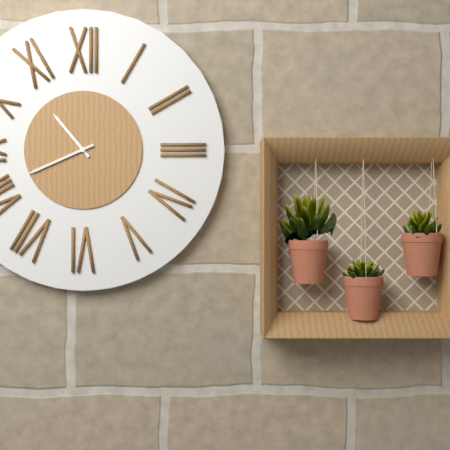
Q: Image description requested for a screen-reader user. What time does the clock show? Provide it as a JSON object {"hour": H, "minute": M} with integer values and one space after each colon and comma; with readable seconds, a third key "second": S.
{"hour": 10, "minute": 41}
